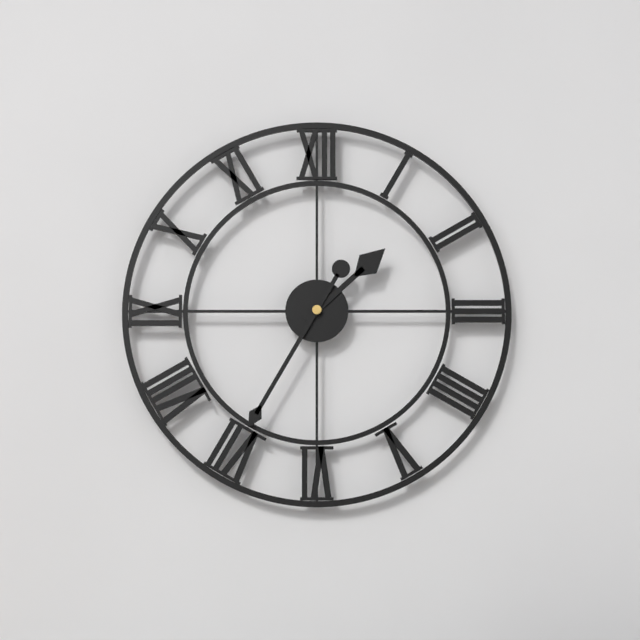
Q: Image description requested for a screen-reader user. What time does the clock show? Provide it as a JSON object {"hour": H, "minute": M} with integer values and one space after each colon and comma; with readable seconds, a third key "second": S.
{"hour": 1, "minute": 35}
